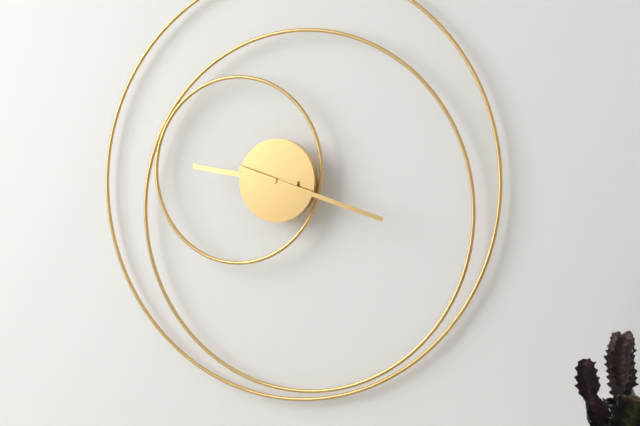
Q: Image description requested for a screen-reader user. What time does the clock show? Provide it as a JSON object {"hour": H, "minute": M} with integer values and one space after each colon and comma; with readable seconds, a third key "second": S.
{"hour": 9, "minute": 18}
